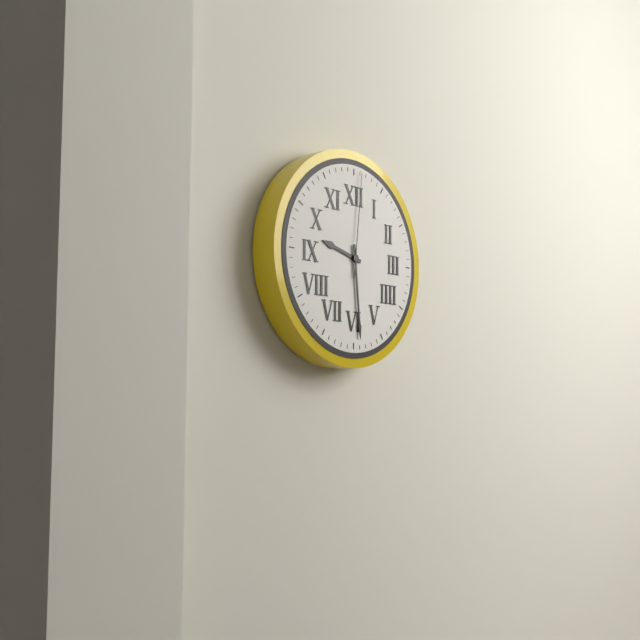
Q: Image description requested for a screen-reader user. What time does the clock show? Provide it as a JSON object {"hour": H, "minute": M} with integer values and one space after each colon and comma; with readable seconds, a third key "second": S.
{"hour": 9, "minute": 29, "second": 1}
